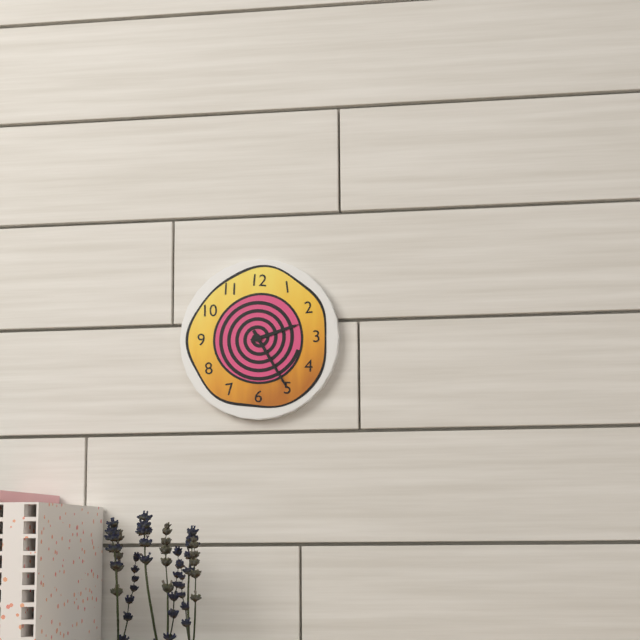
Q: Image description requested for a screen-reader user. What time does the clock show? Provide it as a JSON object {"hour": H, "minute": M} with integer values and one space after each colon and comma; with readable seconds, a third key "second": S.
{"hour": 2, "minute": 25}
